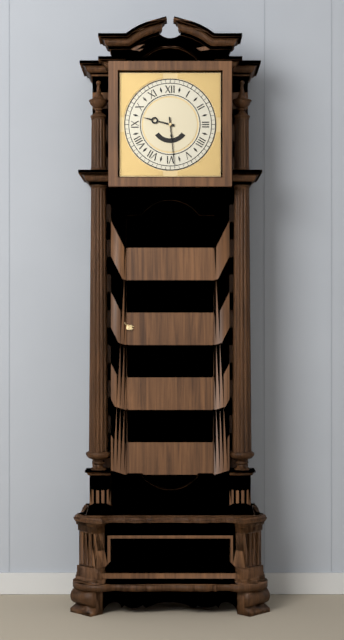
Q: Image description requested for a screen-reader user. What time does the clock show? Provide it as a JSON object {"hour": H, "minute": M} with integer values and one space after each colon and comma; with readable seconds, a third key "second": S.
{"hour": 9, "minute": 29}
